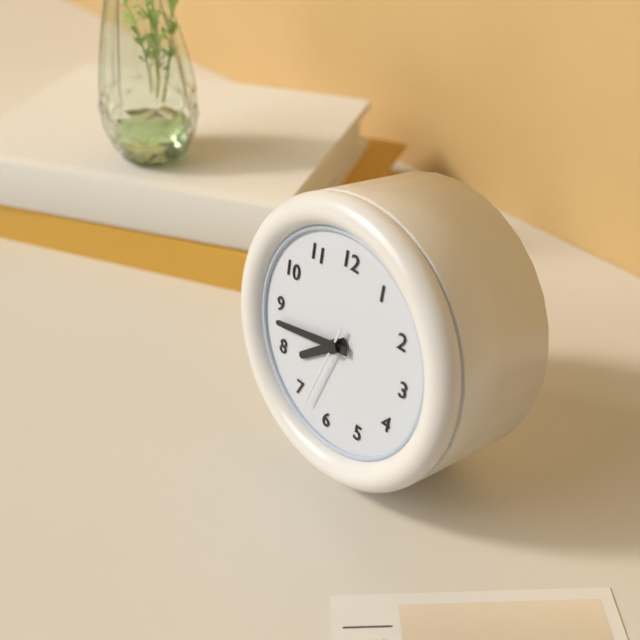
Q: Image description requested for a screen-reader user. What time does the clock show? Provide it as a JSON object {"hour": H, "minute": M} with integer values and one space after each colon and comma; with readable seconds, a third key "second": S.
{"hour": 7, "minute": 43, "second": 33}
